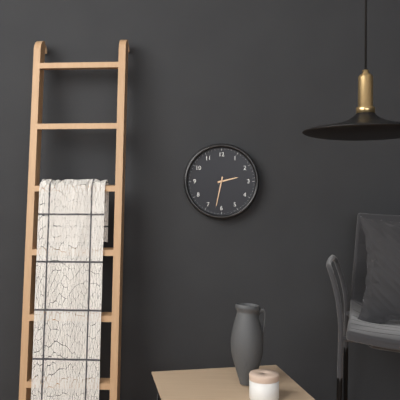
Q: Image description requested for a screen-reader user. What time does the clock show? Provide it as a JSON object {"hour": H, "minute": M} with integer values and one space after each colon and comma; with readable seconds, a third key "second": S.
{"hour": 2, "minute": 32}
